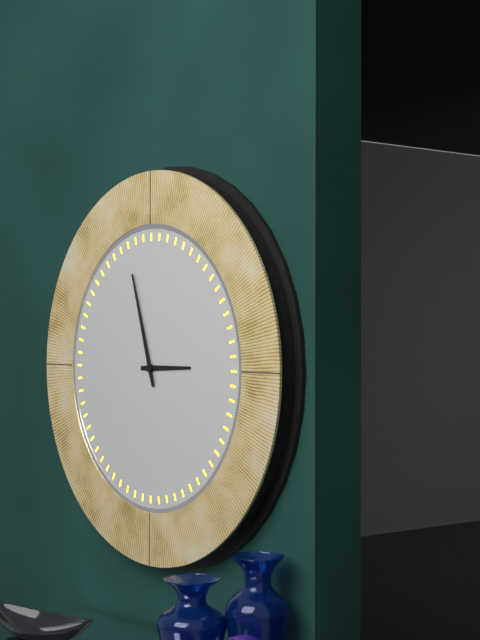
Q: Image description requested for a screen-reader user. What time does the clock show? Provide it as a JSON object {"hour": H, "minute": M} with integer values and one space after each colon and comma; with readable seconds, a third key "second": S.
{"hour": 2, "minute": 57}
